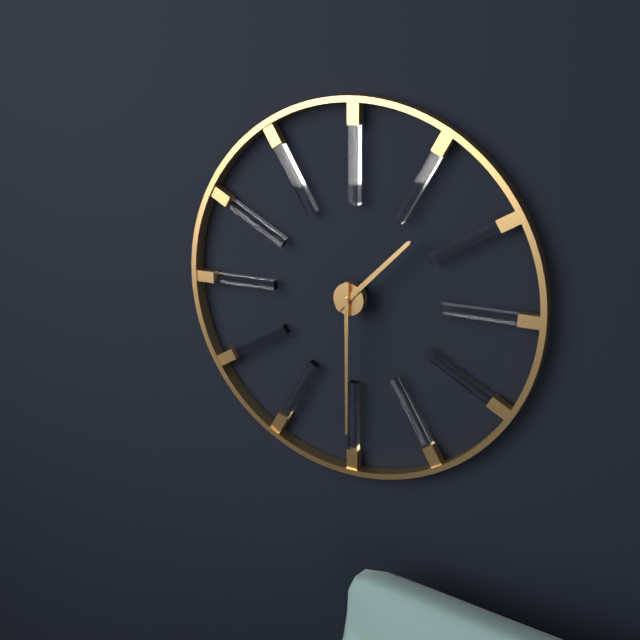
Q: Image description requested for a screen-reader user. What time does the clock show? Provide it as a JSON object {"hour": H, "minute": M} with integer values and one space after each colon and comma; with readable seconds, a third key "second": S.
{"hour": 1, "minute": 30}
